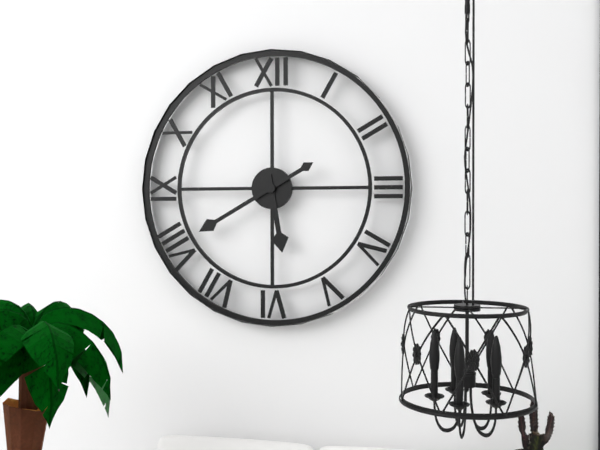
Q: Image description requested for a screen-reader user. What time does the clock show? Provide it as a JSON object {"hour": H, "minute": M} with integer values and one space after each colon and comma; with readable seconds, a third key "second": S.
{"hour": 5, "minute": 40}
